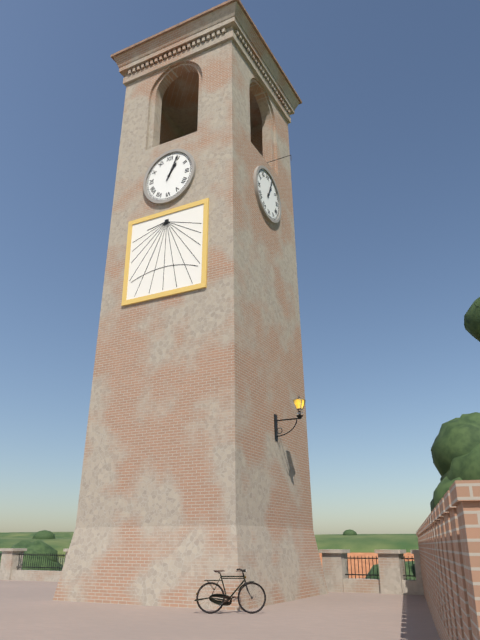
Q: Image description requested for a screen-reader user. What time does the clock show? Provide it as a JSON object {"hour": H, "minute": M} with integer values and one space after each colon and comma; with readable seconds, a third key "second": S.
{"hour": 1, "minute": 4}
